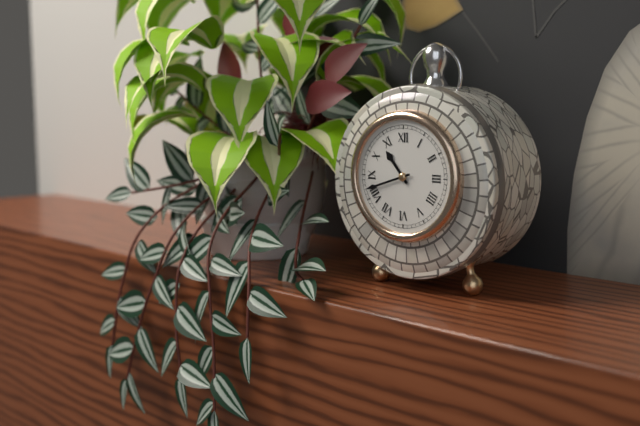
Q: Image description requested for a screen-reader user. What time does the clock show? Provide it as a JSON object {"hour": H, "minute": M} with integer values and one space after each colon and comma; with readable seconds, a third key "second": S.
{"hour": 10, "minute": 42}
